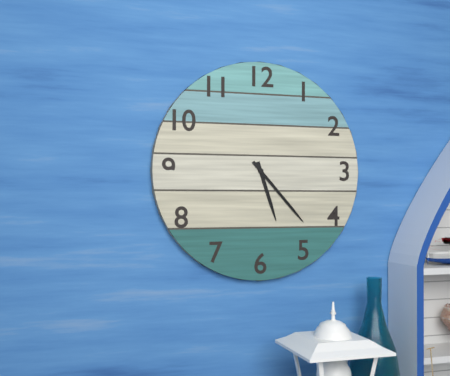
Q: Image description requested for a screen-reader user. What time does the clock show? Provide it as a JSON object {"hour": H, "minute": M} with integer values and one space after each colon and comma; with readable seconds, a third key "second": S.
{"hour": 5, "minute": 23}
